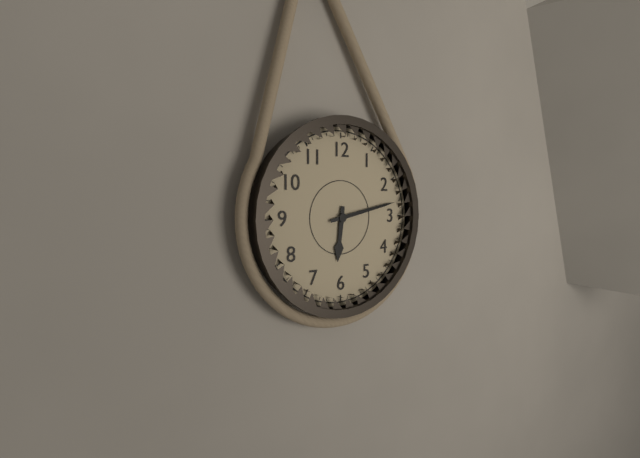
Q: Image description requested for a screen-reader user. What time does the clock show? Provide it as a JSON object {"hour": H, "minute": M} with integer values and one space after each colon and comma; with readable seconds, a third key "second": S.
{"hour": 6, "minute": 13}
